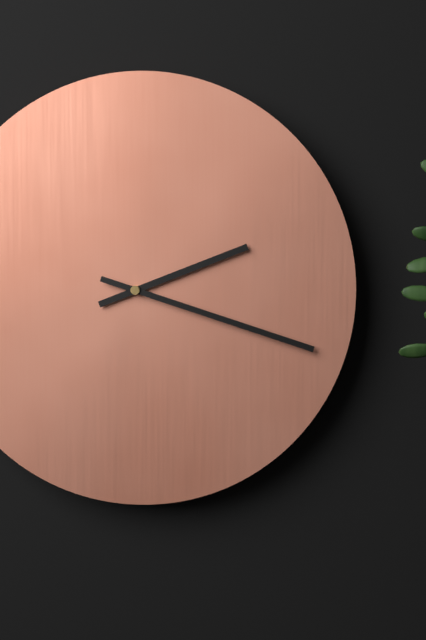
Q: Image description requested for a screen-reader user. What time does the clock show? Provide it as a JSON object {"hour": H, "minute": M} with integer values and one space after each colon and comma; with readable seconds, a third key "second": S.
{"hour": 2, "minute": 18}
